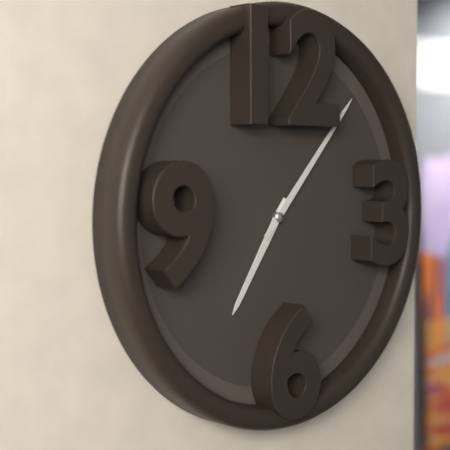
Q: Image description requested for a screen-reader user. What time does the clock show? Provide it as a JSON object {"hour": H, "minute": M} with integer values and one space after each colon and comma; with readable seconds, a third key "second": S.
{"hour": 7, "minute": 7}
